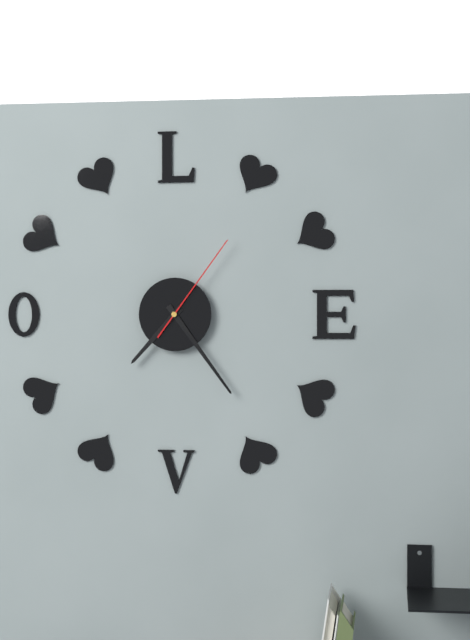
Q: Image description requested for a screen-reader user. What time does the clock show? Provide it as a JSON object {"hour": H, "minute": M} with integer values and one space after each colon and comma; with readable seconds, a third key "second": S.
{"hour": 7, "minute": 24, "second": 6}
